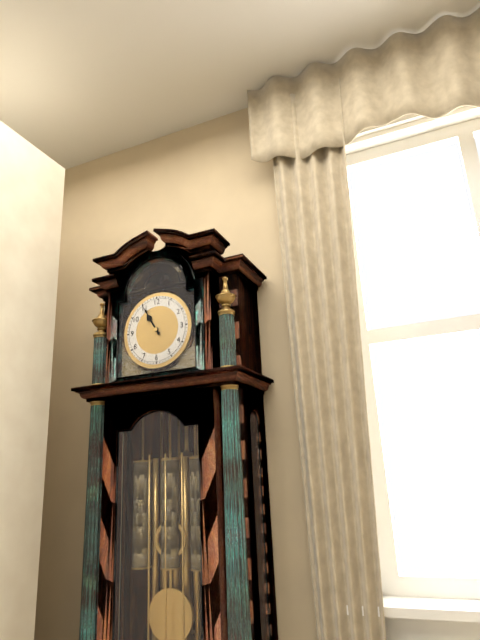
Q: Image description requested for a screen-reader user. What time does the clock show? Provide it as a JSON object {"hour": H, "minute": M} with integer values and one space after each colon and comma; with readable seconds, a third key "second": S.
{"hour": 10, "minute": 55}
